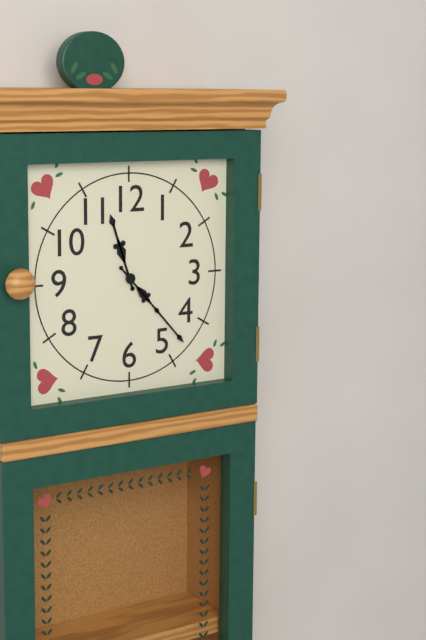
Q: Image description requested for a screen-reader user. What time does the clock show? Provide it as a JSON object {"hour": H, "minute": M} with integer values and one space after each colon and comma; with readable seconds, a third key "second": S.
{"hour": 11, "minute": 23}
